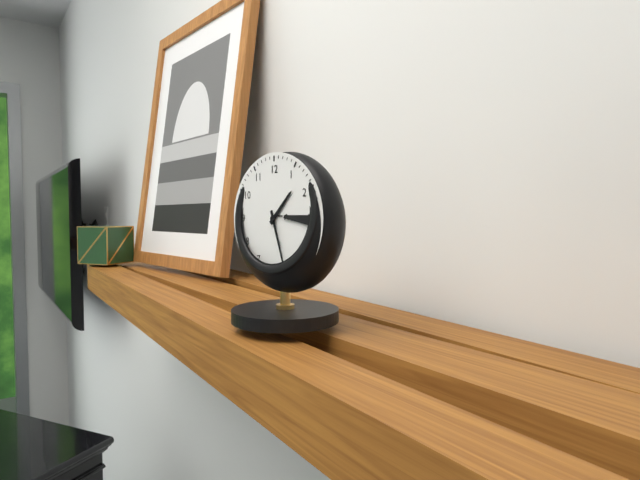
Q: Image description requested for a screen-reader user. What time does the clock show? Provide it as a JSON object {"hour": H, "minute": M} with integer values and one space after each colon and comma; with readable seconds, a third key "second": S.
{"hour": 1, "minute": 27}
